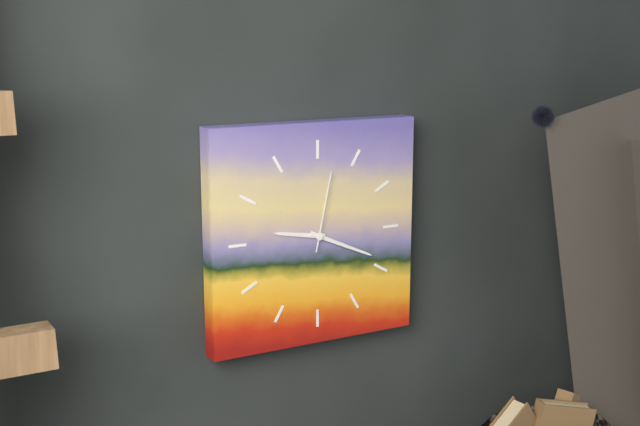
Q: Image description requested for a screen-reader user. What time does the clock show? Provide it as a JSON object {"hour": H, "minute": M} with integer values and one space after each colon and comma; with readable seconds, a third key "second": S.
{"hour": 9, "minute": 19, "second": 2}
